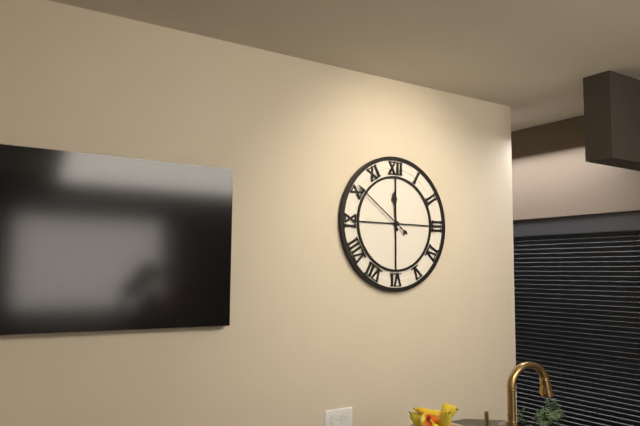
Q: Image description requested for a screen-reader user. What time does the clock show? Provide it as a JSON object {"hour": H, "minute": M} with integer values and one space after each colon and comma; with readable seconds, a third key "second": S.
{"hour": 11, "minute": 51}
